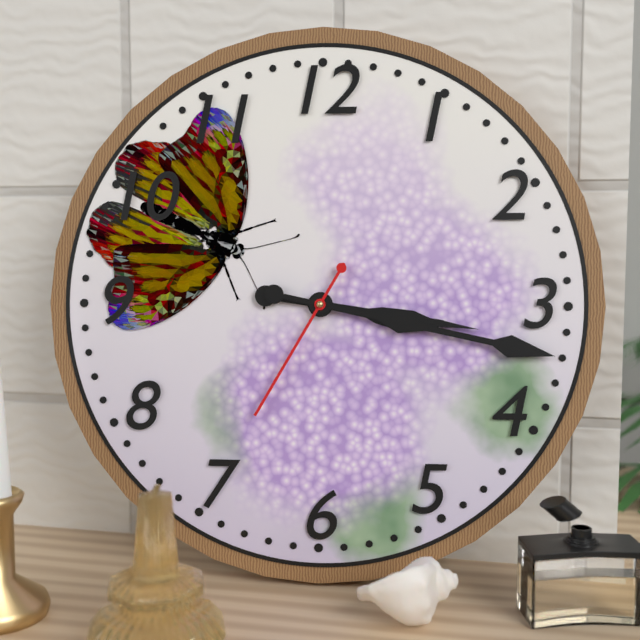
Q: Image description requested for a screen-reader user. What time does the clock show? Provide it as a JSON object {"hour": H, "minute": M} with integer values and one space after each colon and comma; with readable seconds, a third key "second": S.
{"hour": 3, "minute": 17, "second": 35}
